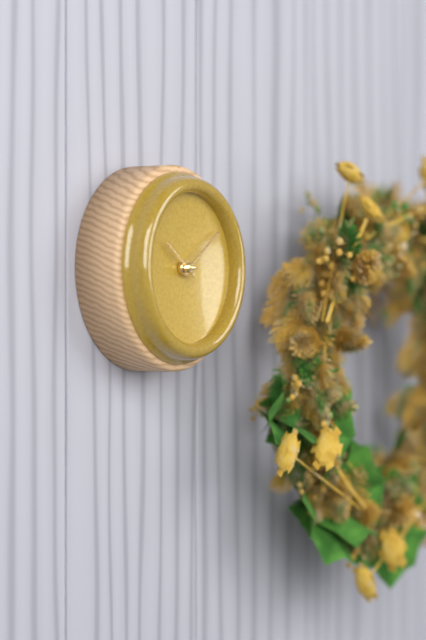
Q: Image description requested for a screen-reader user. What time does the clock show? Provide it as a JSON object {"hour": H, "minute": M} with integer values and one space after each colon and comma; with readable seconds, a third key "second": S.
{"hour": 10, "minute": 9}
